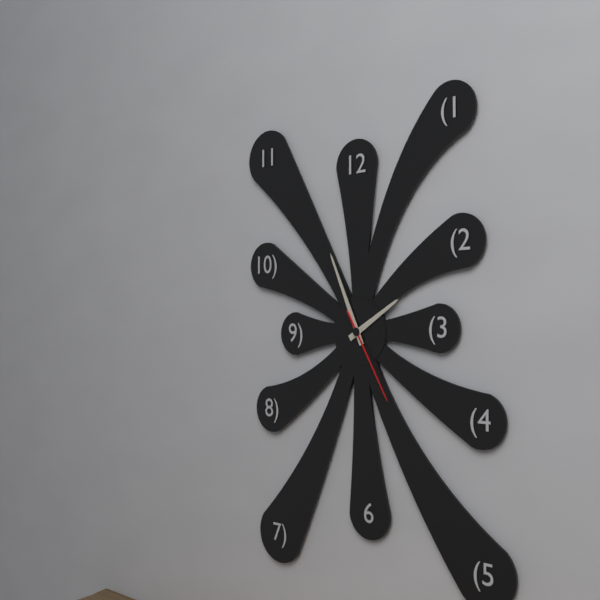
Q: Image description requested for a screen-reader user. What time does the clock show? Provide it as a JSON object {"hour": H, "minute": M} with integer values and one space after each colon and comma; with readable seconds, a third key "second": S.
{"hour": 1, "minute": 56, "second": 25}
